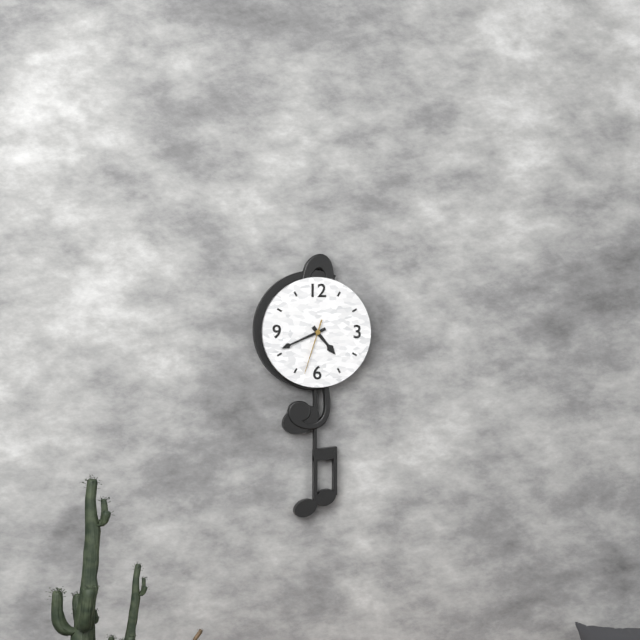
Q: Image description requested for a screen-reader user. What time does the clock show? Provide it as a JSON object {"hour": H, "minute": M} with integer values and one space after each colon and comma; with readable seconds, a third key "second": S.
{"hour": 4, "minute": 41, "second": 33}
